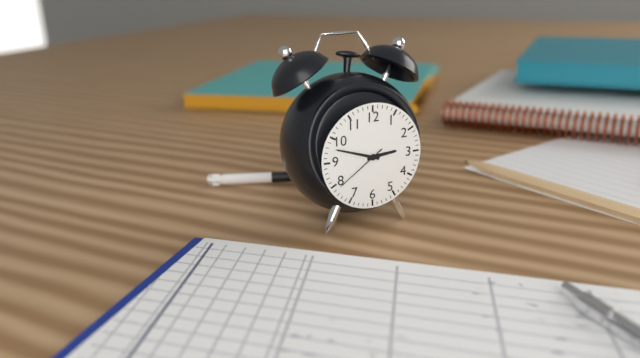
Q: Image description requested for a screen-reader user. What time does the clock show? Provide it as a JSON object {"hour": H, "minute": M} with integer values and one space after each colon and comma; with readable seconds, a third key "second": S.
{"hour": 2, "minute": 48, "second": 39}
